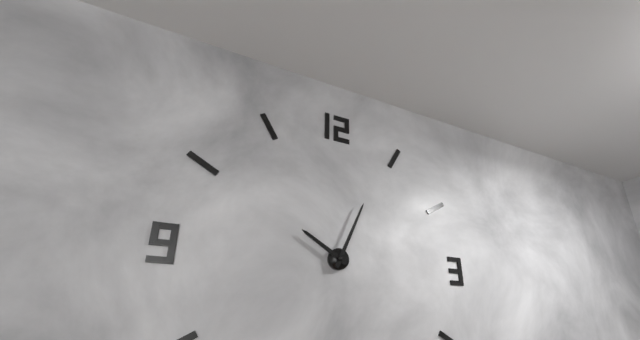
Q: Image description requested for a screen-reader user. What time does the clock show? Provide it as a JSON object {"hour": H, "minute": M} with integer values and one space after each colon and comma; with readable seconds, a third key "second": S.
{"hour": 10, "minute": 4}
